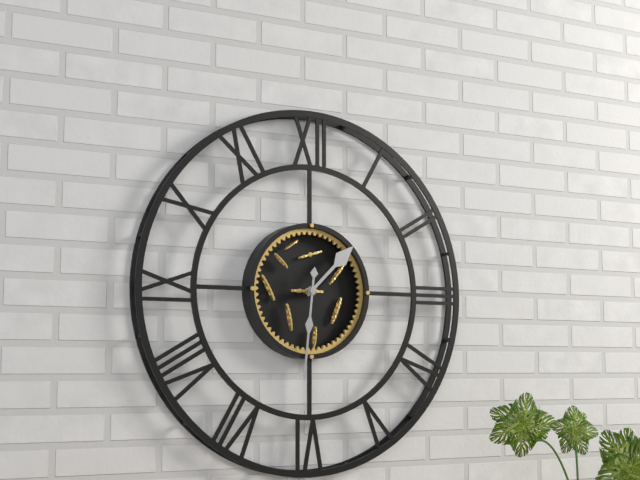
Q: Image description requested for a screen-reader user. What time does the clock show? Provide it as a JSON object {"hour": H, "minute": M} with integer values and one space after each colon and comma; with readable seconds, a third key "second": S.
{"hour": 1, "minute": 31}
